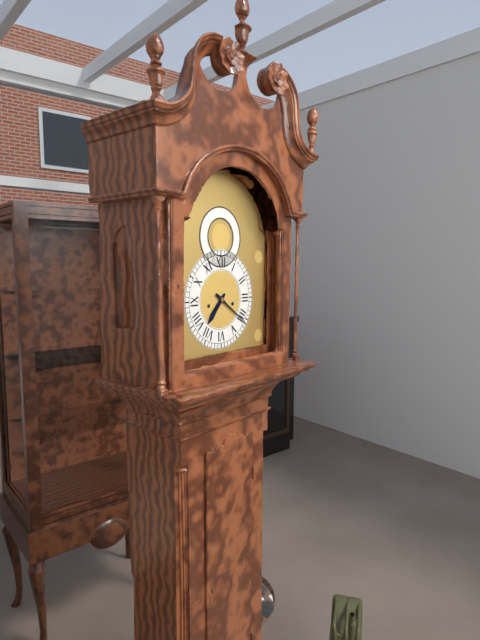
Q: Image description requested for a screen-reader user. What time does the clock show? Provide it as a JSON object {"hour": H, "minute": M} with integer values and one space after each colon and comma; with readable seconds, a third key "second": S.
{"hour": 7, "minute": 21}
